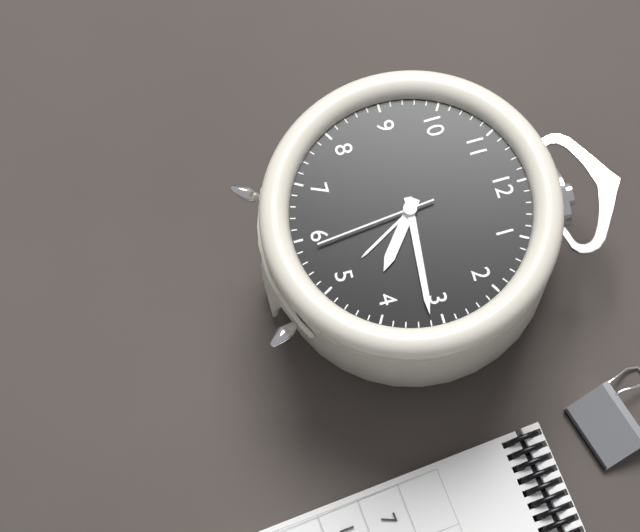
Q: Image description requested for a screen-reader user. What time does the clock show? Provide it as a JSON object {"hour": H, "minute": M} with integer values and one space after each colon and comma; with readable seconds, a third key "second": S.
{"hour": 4, "minute": 16, "second": 29}
